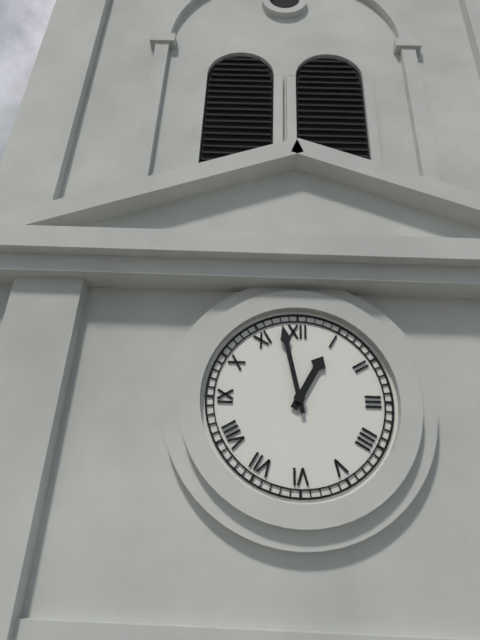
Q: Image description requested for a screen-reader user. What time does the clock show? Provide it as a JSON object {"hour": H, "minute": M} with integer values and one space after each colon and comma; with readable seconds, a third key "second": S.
{"hour": 12, "minute": 58}
